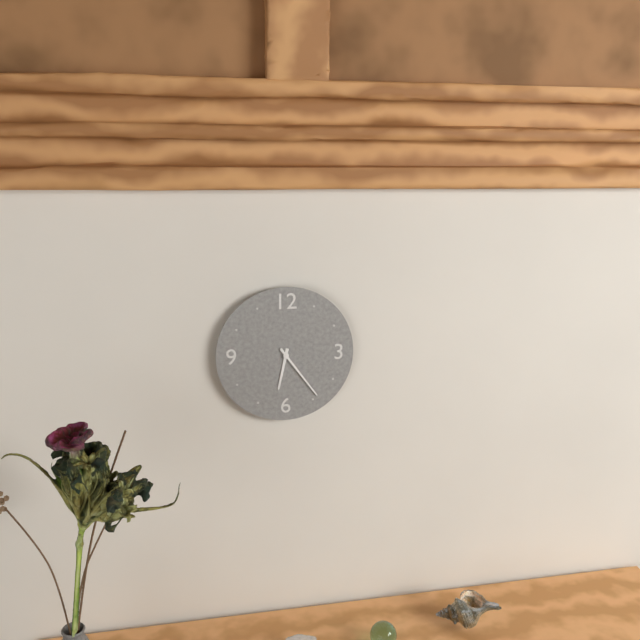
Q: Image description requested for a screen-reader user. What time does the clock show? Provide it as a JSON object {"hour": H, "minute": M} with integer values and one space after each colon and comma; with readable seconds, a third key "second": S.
{"hour": 6, "minute": 24}
